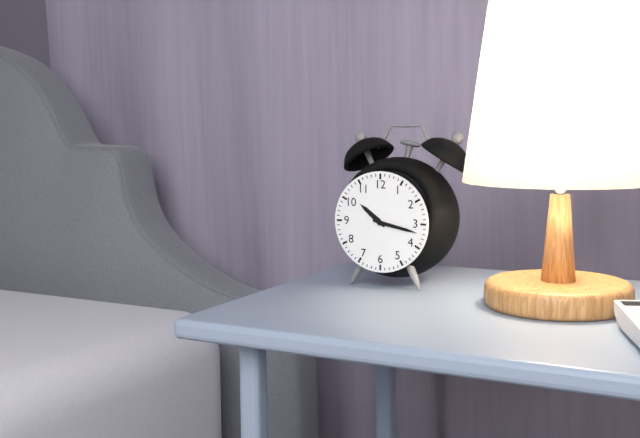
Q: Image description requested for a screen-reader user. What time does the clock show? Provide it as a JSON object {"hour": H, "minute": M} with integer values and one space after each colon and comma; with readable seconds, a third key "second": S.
{"hour": 10, "minute": 17}
